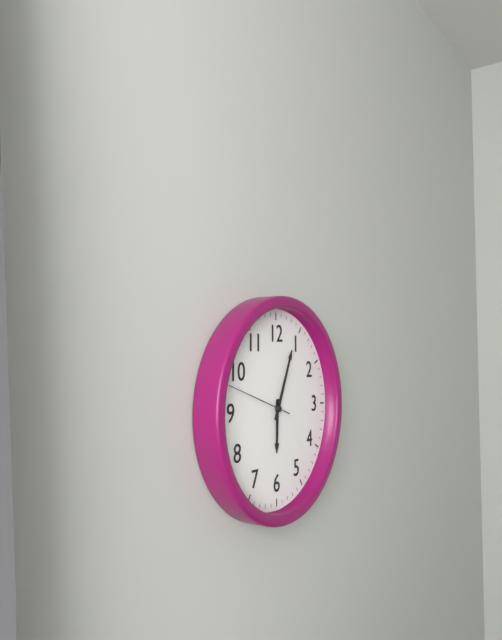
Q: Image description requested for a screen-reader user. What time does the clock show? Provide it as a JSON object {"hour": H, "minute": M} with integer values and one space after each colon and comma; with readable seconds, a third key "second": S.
{"hour": 6, "minute": 4, "second": 48}
